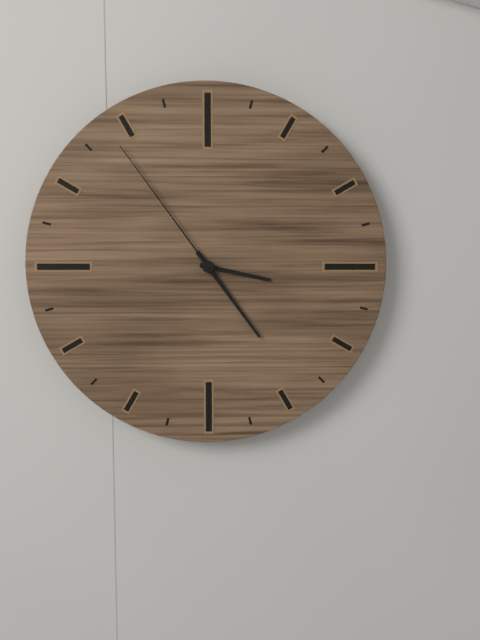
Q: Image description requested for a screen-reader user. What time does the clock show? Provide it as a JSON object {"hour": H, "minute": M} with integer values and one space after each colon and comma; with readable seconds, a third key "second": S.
{"hour": 3, "minute": 24, "second": 54}
